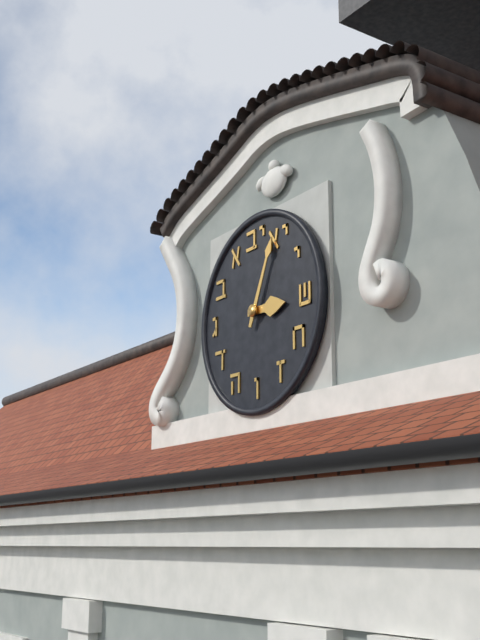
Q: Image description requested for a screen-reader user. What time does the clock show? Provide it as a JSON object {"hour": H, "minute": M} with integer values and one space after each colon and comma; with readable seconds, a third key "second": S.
{"hour": 3, "minute": 4}
